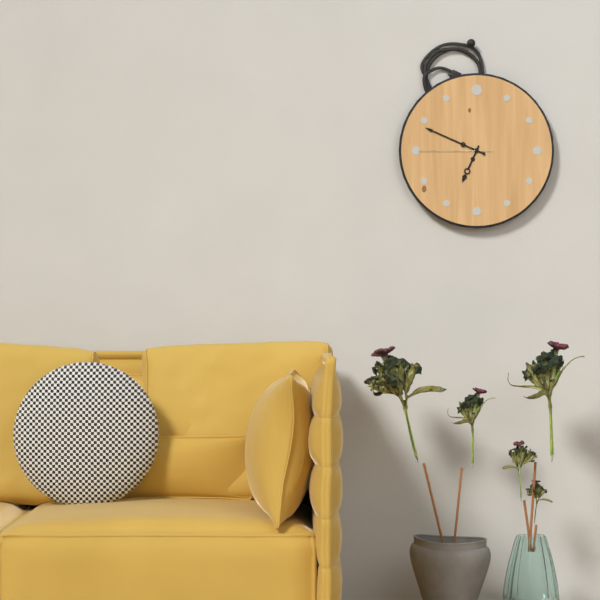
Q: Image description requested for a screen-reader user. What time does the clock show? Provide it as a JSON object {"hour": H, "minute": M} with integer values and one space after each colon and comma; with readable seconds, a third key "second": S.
{"hour": 6, "minute": 49, "second": 45}
